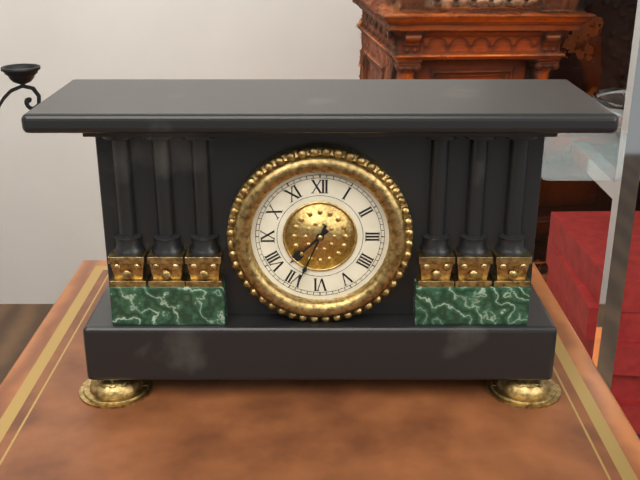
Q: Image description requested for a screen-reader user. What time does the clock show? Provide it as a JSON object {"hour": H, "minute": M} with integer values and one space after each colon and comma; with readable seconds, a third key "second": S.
{"hour": 7, "minute": 34}
